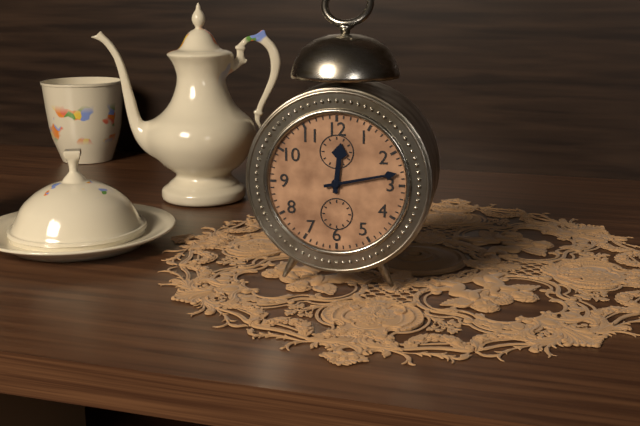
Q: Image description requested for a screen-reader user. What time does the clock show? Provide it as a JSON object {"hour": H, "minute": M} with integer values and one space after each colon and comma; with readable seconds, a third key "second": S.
{"hour": 12, "minute": 13}
